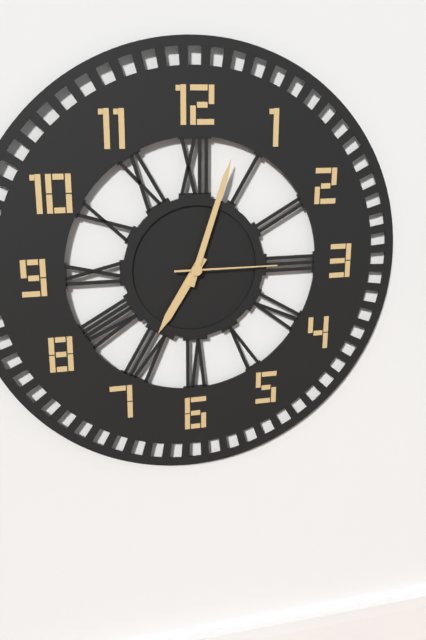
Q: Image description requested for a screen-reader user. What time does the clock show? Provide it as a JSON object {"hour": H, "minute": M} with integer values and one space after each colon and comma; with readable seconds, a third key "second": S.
{"hour": 7, "minute": 3, "second": 15}
